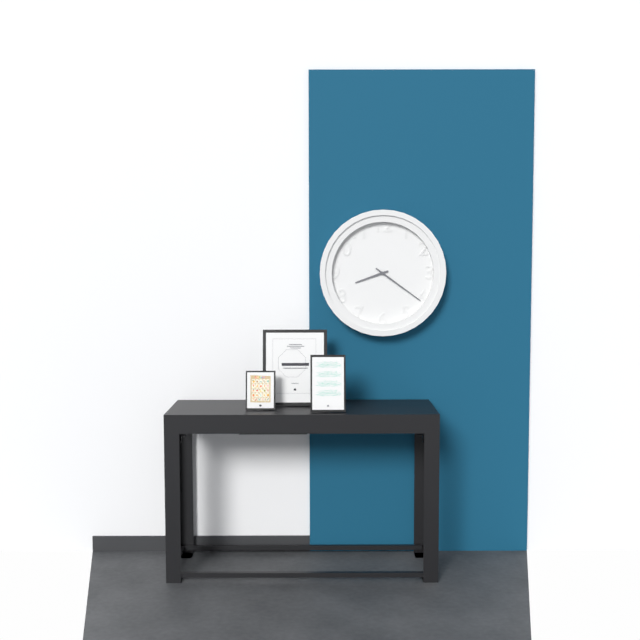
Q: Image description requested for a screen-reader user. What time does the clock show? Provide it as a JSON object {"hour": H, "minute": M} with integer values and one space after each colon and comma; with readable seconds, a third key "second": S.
{"hour": 8, "minute": 21}
